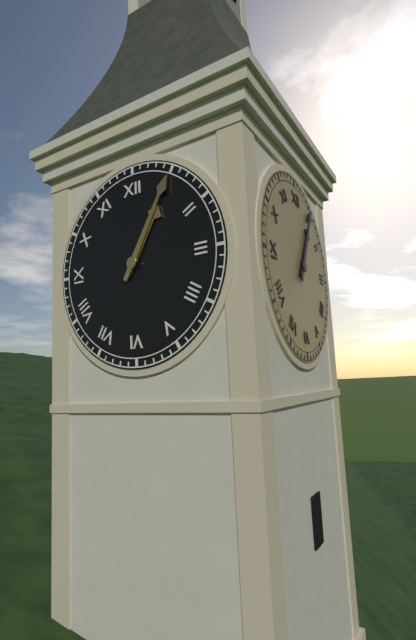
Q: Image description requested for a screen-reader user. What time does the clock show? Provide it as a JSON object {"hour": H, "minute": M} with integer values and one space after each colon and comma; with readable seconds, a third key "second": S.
{"hour": 1, "minute": 5}
